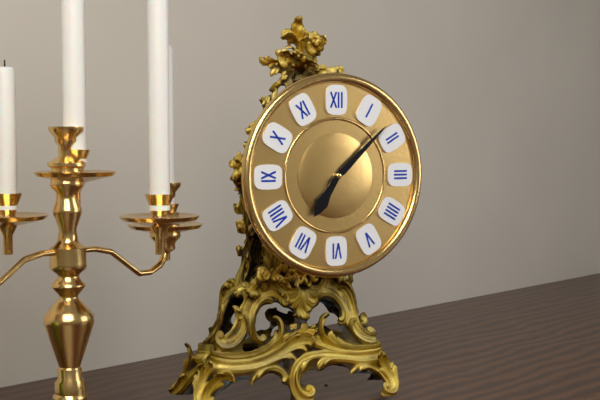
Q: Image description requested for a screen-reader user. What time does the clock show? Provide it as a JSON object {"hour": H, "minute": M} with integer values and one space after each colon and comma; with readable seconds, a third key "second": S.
{"hour": 7, "minute": 8}
